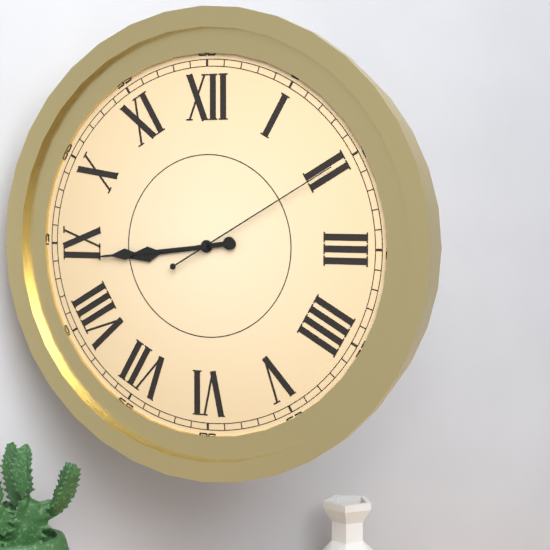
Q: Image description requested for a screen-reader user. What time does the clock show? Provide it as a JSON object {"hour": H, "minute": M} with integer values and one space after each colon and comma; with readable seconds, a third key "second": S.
{"hour": 8, "minute": 44, "second": 10}
